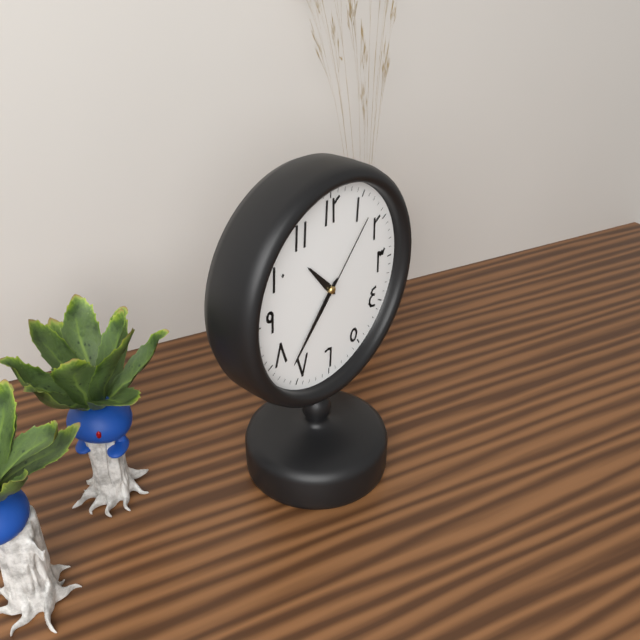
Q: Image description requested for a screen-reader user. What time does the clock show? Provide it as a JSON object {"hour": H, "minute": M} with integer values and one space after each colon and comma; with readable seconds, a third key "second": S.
{"hour": 10, "minute": 37, "second": 7}
